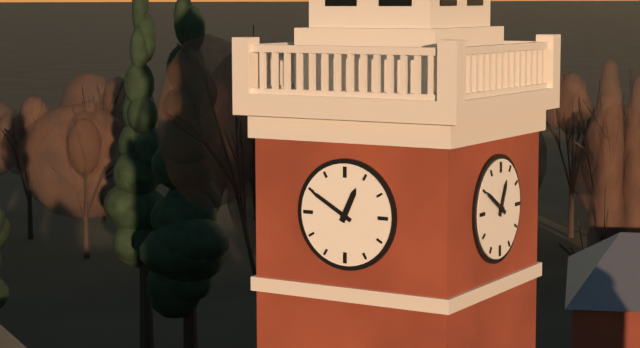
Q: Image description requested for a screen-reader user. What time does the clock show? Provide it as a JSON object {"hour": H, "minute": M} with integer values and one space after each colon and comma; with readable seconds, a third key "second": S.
{"hour": 12, "minute": 50}
